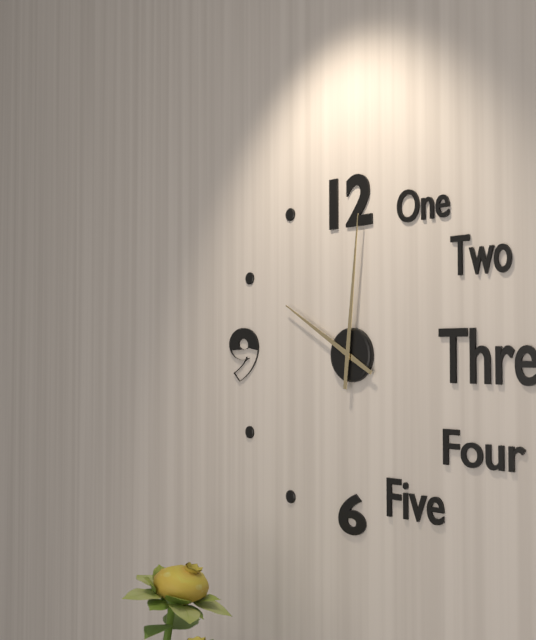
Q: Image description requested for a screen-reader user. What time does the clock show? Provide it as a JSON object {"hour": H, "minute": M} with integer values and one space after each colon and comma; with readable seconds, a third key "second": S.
{"hour": 10, "minute": 1}
